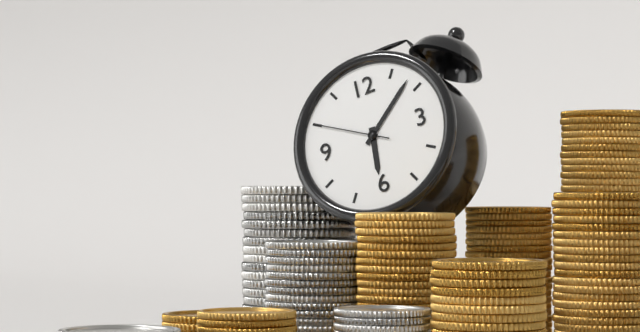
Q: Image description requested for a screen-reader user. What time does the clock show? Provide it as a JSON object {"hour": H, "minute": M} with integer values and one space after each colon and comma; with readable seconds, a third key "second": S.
{"hour": 6, "minute": 8, "second": 50}
